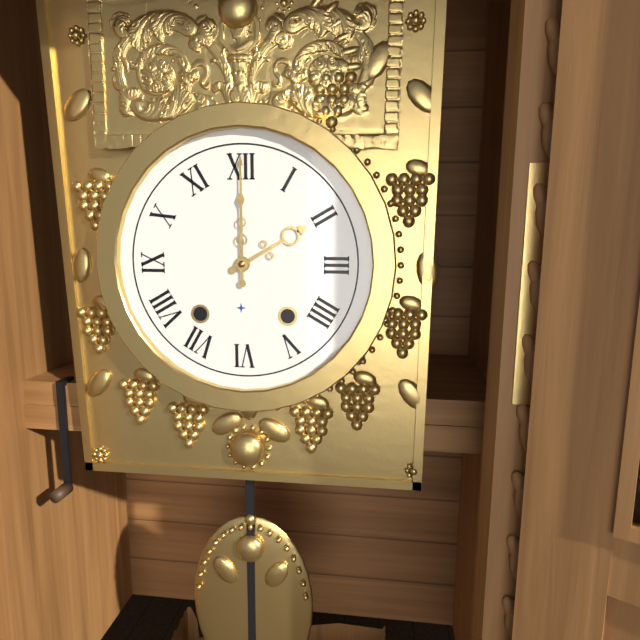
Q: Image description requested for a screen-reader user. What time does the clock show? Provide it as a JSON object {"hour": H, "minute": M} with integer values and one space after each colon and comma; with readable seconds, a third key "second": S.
{"hour": 2, "minute": 0}
